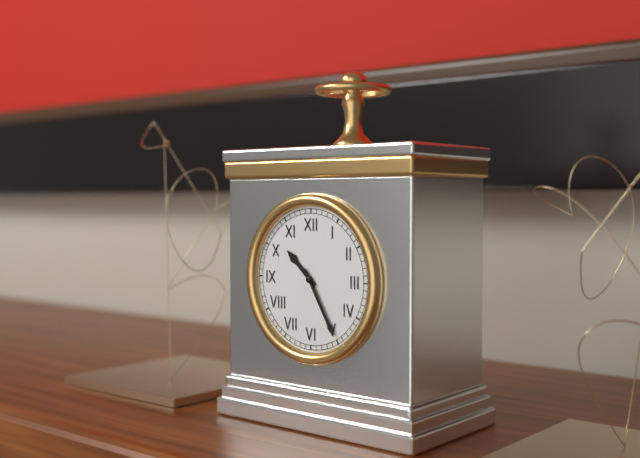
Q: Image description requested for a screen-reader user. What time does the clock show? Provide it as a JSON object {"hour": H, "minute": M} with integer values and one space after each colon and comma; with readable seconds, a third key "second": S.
{"hour": 10, "minute": 25}
